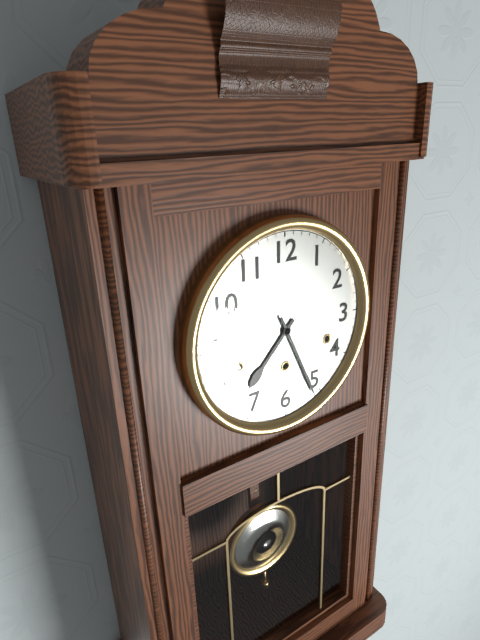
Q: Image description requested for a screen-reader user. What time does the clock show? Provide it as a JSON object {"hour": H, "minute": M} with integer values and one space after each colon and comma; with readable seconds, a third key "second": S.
{"hour": 7, "minute": 26}
